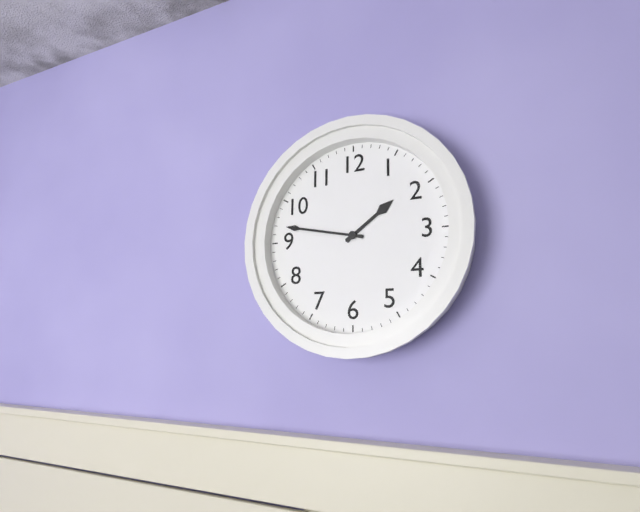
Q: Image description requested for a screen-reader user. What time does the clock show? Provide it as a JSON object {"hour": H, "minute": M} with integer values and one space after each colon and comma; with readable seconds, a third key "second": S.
{"hour": 1, "minute": 47}
